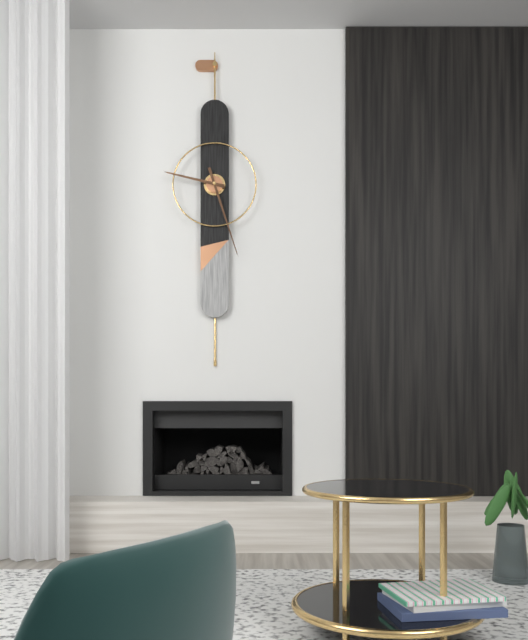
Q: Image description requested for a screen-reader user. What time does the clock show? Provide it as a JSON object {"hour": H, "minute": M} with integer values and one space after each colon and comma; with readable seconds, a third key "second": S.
{"hour": 9, "minute": 27}
